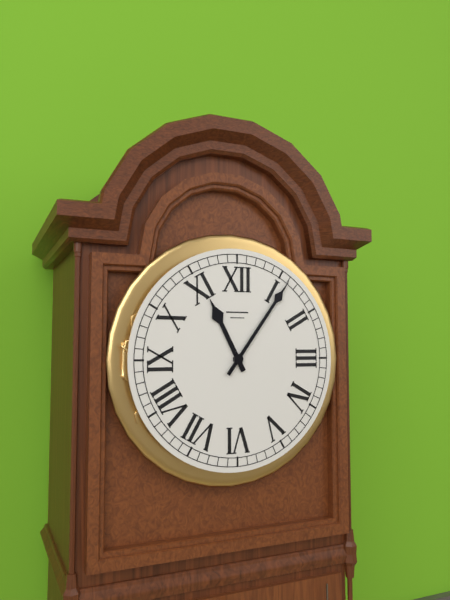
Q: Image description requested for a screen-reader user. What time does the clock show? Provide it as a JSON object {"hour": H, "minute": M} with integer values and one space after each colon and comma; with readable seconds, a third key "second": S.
{"hour": 11, "minute": 6}
